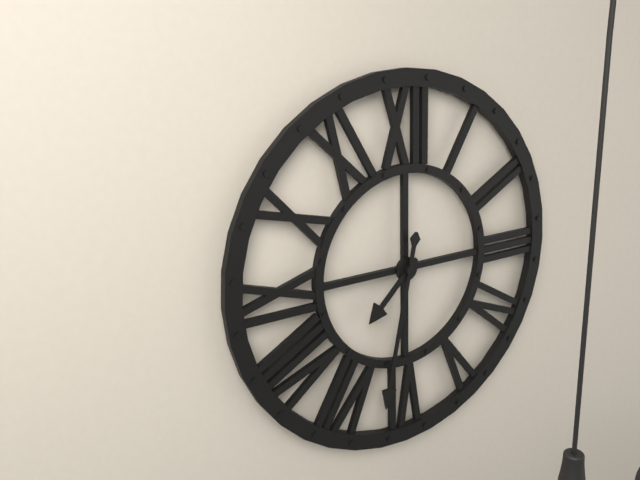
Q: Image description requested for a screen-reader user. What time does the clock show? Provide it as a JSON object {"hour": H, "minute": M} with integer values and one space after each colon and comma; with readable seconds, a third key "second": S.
{"hour": 7, "minute": 32}
